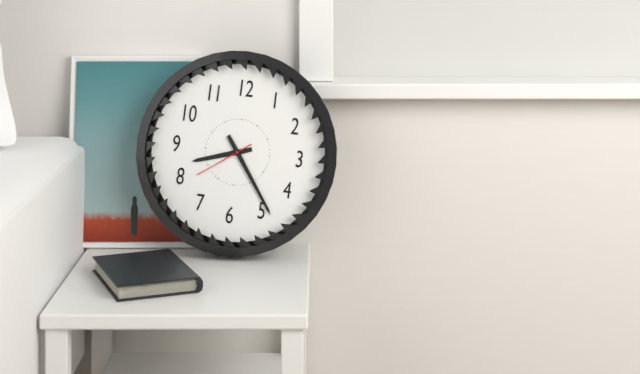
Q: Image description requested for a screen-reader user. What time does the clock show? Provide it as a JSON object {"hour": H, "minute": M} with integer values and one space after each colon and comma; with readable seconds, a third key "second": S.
{"hour": 8, "minute": 24, "second": 39}
